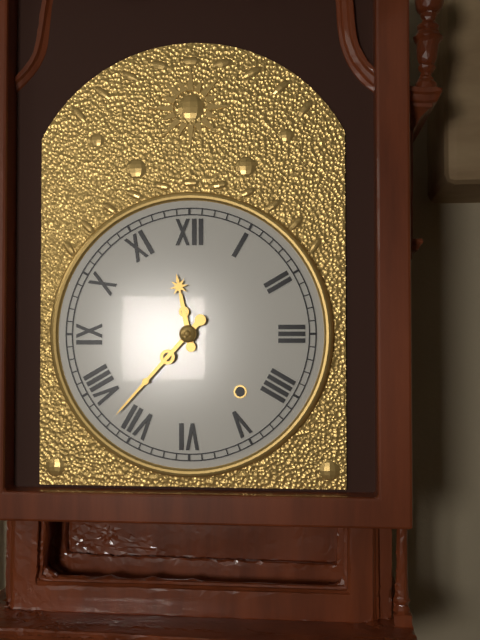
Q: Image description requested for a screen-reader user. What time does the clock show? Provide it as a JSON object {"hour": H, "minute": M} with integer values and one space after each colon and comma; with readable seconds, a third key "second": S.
{"hour": 11, "minute": 37}
